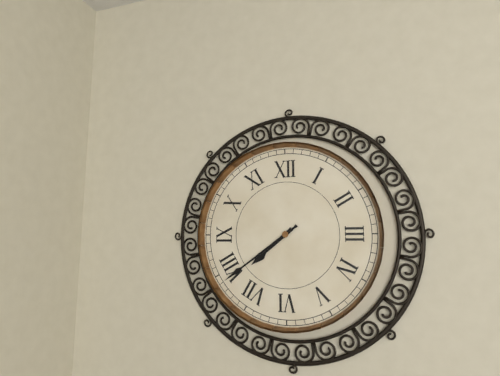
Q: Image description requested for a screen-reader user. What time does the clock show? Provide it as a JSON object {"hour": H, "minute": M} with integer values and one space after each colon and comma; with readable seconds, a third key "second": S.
{"hour": 7, "minute": 39}
